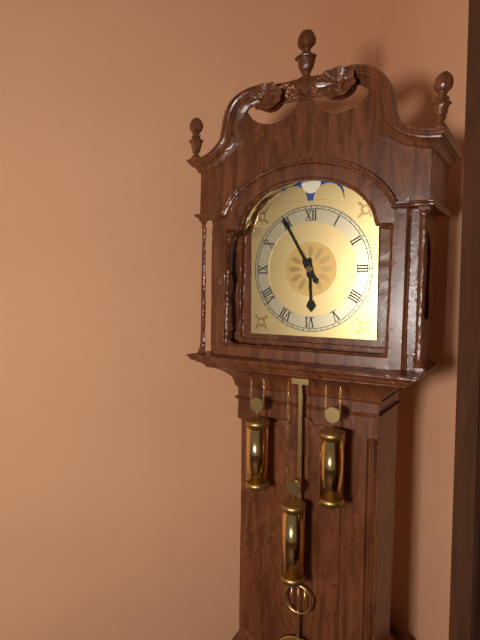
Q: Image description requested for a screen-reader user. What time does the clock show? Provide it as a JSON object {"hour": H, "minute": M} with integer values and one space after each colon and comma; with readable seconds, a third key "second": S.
{"hour": 5, "minute": 55}
